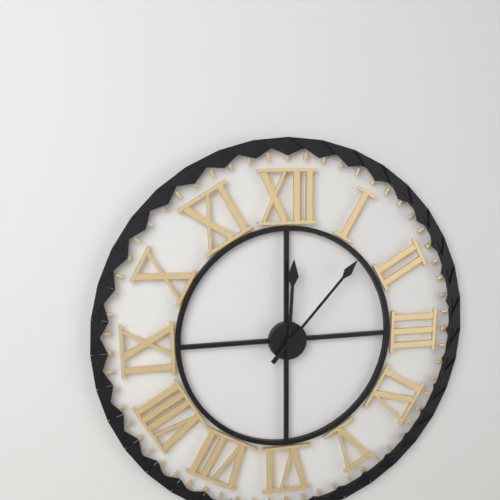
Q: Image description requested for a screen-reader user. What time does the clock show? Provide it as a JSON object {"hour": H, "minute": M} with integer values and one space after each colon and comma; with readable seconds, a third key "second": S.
{"hour": 12, "minute": 7}
